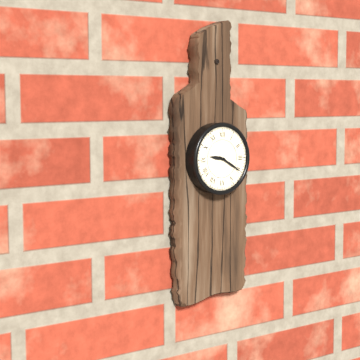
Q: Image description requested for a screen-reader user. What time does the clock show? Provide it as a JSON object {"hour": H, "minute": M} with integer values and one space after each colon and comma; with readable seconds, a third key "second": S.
{"hour": 9, "minute": 20}
